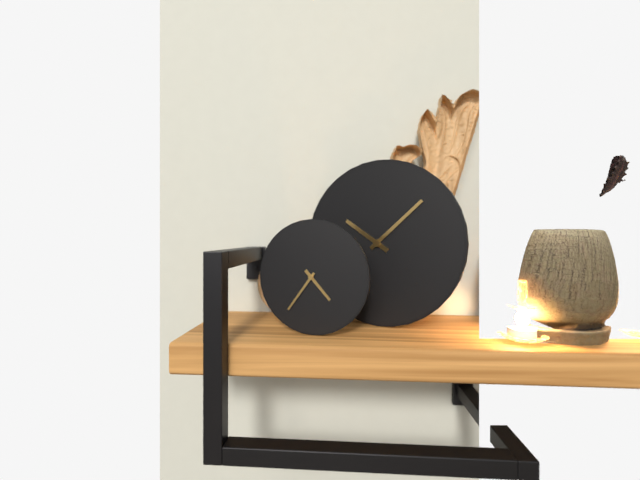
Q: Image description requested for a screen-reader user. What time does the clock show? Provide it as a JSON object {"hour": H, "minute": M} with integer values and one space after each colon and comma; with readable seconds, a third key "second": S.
{"hour": 4, "minute": 36}
